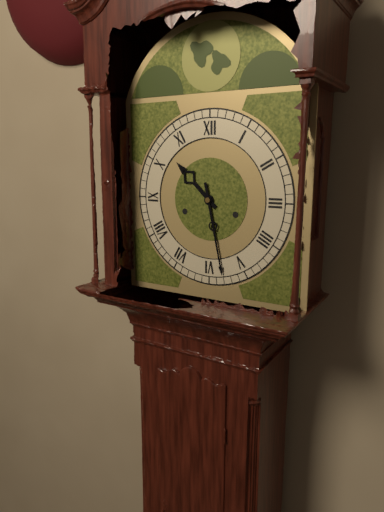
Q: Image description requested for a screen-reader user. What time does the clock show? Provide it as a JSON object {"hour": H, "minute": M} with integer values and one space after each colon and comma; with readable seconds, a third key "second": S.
{"hour": 10, "minute": 28}
